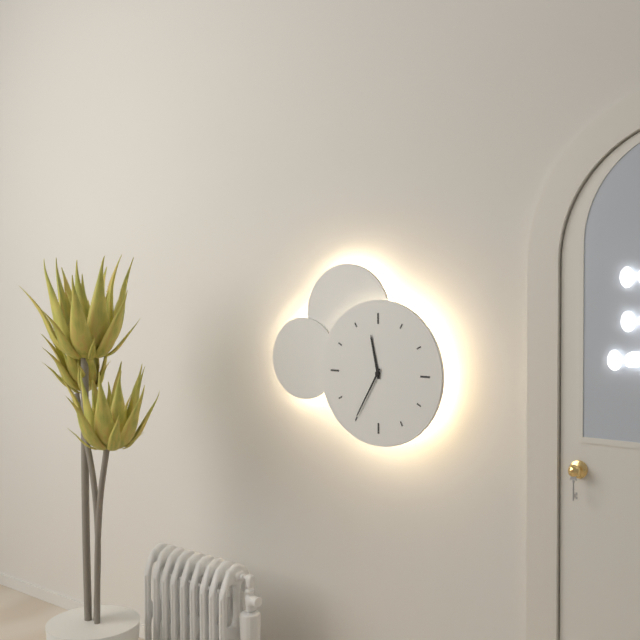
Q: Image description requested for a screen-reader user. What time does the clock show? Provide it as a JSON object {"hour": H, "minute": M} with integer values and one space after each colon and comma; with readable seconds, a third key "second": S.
{"hour": 11, "minute": 35}
